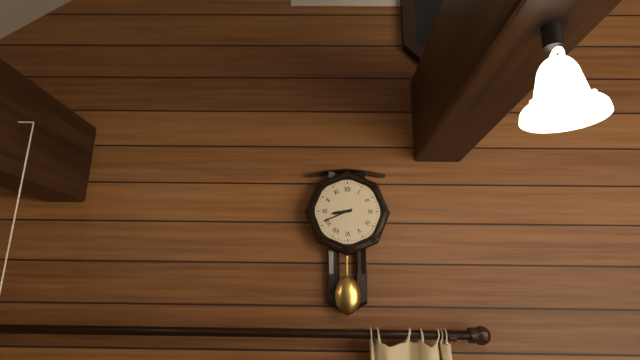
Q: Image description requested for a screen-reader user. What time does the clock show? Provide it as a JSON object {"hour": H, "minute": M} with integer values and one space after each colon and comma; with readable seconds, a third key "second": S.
{"hour": 8, "minute": 41}
